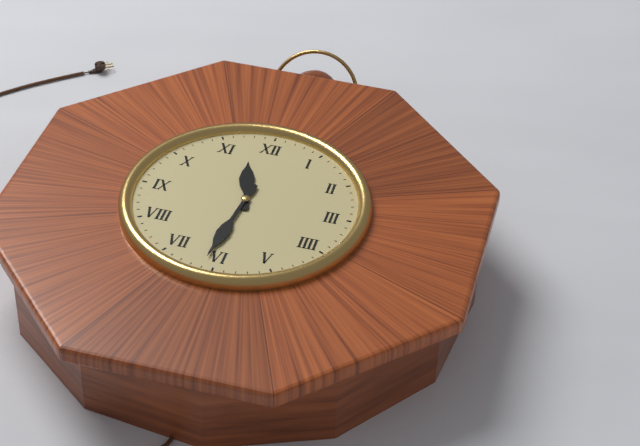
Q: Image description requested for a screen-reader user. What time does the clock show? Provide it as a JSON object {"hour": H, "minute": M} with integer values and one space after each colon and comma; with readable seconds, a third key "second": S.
{"hour": 11, "minute": 31}
